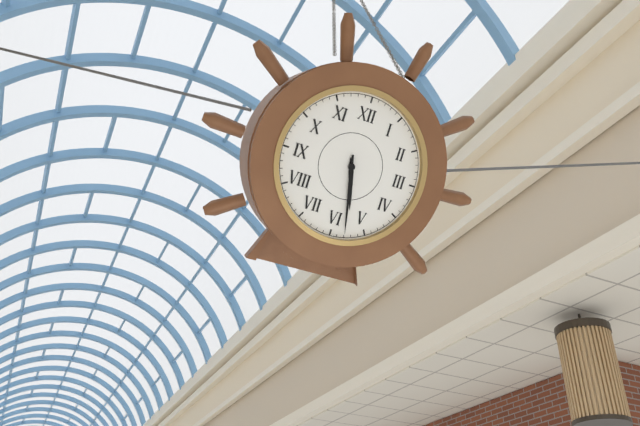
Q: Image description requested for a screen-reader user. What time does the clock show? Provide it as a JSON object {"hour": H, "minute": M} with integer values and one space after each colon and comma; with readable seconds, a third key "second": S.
{"hour": 5, "minute": 28}
